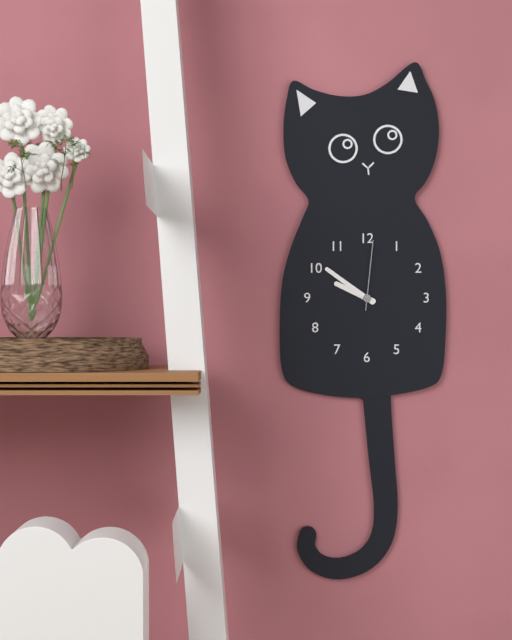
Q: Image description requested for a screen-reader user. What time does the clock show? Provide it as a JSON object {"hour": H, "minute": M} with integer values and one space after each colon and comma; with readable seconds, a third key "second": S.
{"hour": 9, "minute": 51, "second": 1}
